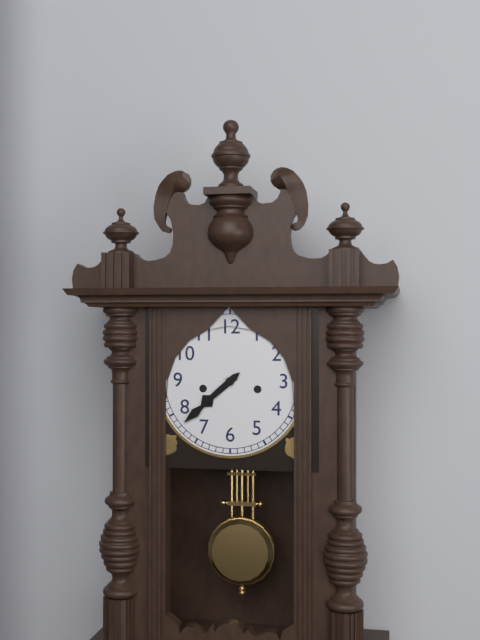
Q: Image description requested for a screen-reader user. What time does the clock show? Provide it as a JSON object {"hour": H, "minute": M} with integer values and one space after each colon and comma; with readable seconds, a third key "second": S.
{"hour": 7, "minute": 38}
